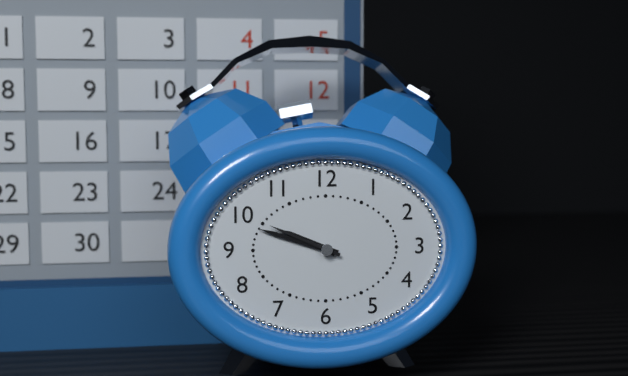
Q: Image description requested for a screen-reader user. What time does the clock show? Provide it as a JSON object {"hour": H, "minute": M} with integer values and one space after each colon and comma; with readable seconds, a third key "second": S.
{"hour": 9, "minute": 48, "second": 49}
